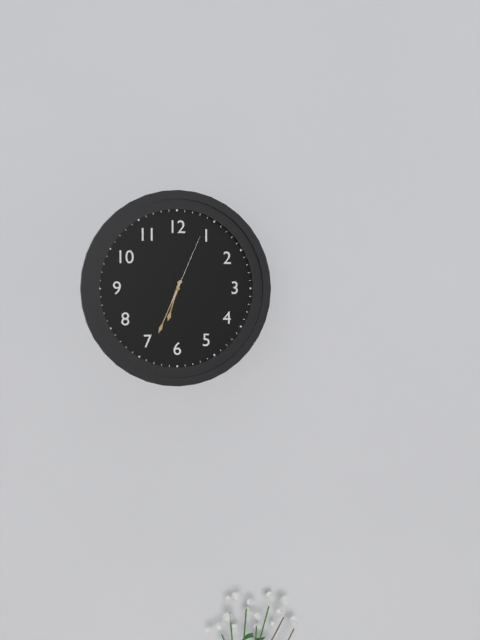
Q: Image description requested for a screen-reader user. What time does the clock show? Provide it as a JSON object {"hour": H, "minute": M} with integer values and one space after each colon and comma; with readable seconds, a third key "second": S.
{"hour": 6, "minute": 34, "second": 4}
